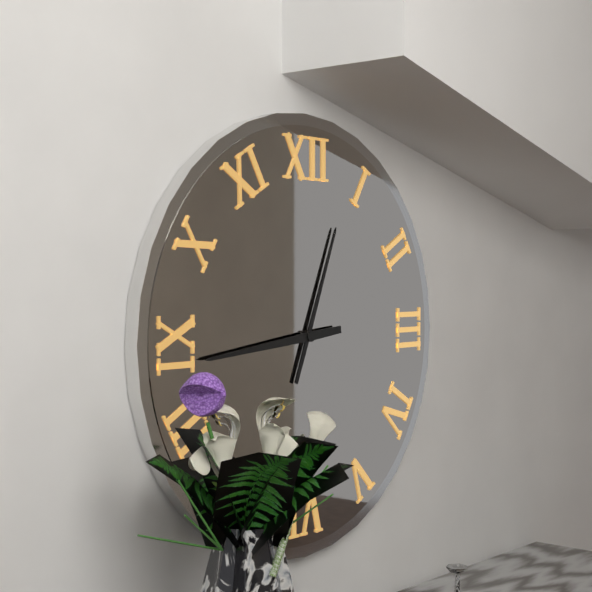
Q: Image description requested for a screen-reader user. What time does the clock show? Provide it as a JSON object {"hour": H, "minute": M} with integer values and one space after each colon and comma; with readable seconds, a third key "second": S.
{"hour": 12, "minute": 44}
